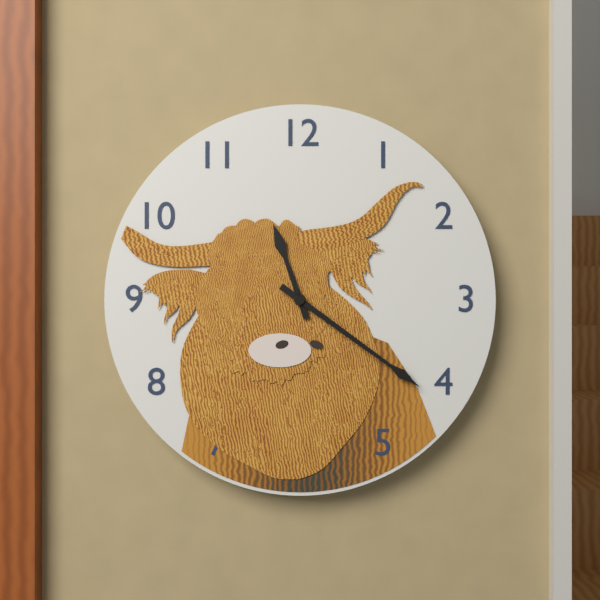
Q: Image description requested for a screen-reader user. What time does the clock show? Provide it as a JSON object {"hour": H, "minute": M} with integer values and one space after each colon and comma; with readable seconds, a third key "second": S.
{"hour": 11, "minute": 21}
